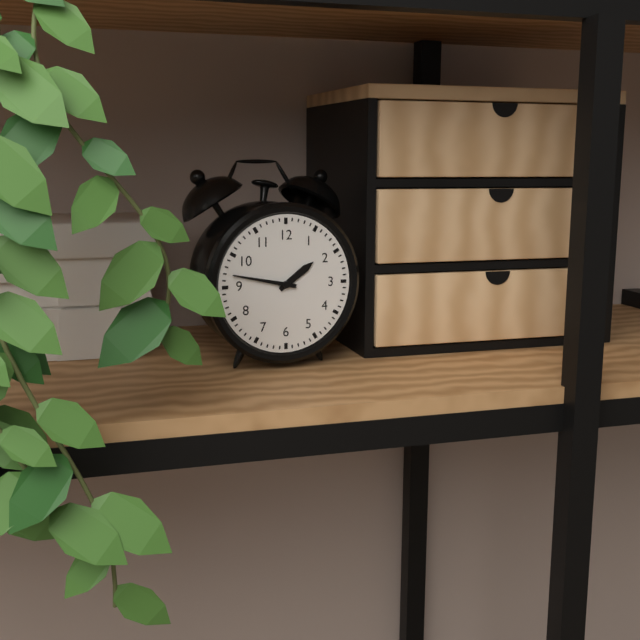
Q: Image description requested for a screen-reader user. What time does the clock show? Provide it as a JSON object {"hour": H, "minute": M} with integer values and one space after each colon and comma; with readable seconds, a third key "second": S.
{"hour": 1, "minute": 47}
